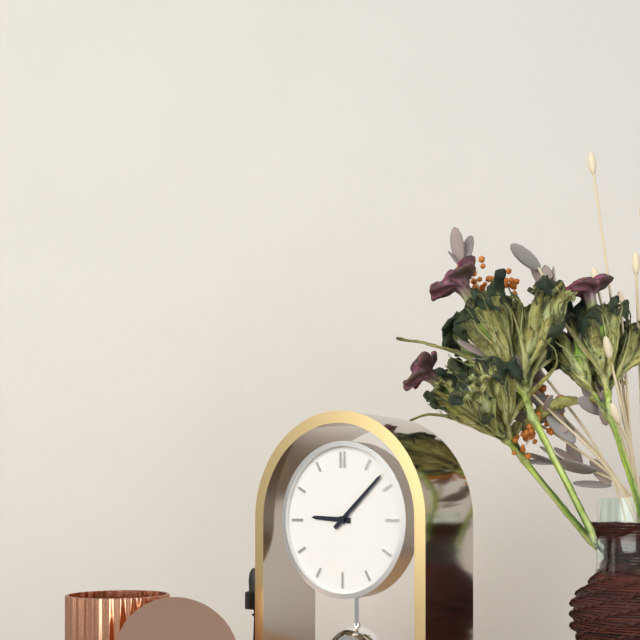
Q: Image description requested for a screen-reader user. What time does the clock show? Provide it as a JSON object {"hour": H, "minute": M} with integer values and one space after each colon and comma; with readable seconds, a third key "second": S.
{"hour": 9, "minute": 8}
